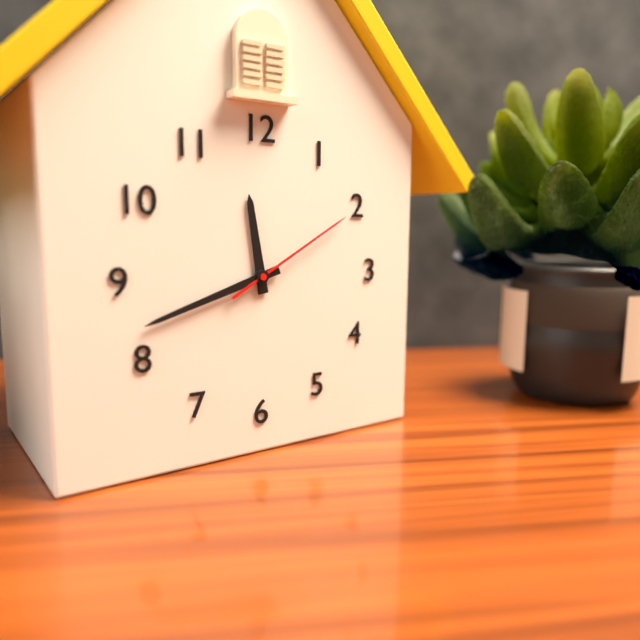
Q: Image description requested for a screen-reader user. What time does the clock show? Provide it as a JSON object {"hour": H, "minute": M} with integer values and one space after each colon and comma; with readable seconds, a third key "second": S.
{"hour": 11, "minute": 42, "second": 10}
